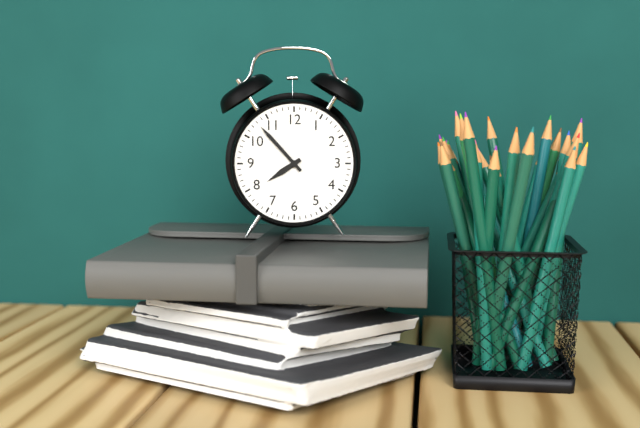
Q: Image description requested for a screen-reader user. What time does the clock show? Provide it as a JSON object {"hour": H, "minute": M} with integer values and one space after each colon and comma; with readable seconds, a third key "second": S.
{"hour": 7, "minute": 53}
